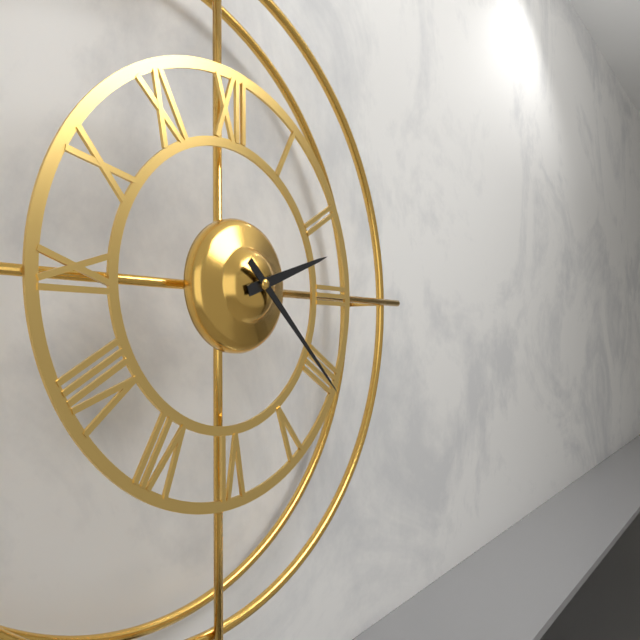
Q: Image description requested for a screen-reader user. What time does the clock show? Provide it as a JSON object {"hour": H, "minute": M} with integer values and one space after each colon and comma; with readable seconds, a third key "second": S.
{"hour": 2, "minute": 22}
